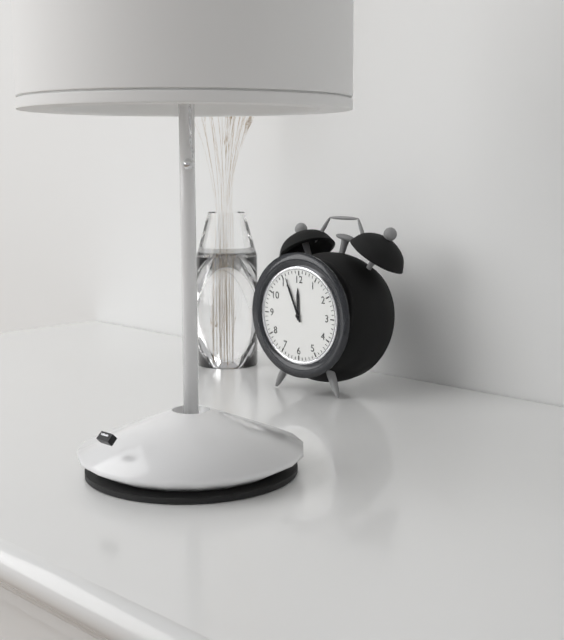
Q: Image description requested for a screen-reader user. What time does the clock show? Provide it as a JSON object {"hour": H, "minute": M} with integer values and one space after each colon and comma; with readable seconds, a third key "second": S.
{"hour": 11, "minute": 56}
